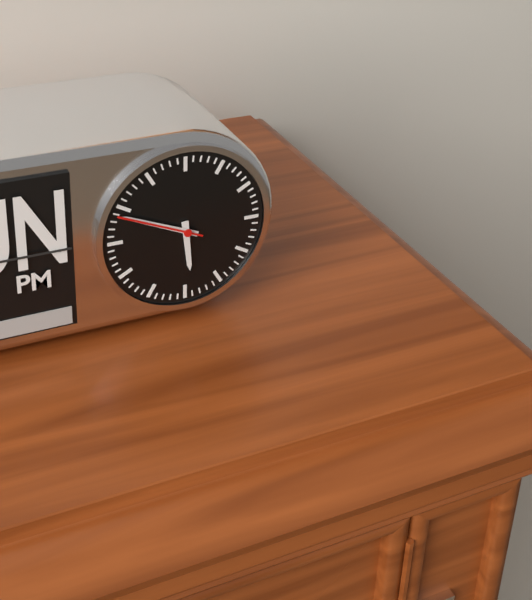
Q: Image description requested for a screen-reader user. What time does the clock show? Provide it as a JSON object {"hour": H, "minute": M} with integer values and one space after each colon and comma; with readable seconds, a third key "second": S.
{"hour": 5, "minute": 49, "second": 49}
